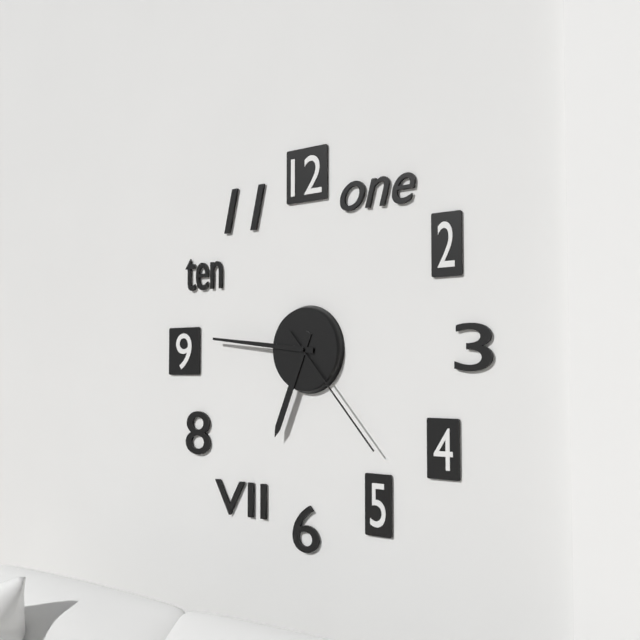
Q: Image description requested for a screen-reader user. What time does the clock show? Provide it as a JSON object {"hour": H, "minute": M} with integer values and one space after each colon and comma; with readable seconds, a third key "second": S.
{"hour": 6, "minute": 46, "second": 23}
